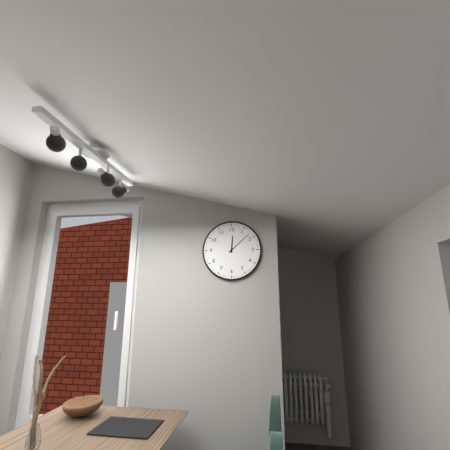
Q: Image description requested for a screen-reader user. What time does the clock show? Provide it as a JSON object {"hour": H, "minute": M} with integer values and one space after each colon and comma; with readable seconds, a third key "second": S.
{"hour": 12, "minute": 8}
